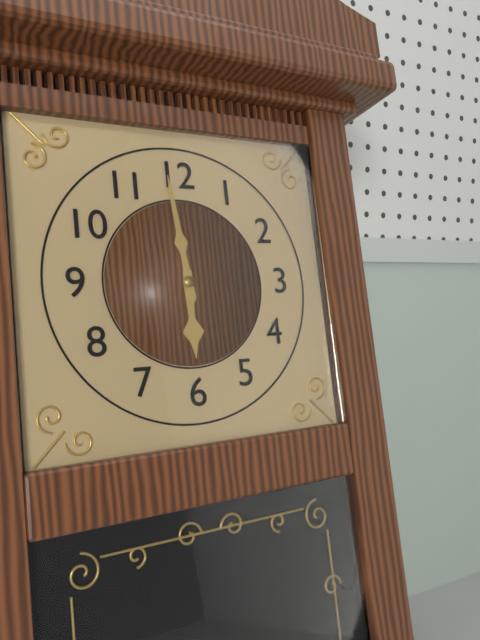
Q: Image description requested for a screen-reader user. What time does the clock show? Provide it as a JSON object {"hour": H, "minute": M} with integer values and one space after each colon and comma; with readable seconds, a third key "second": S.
{"hour": 5, "minute": 59}
